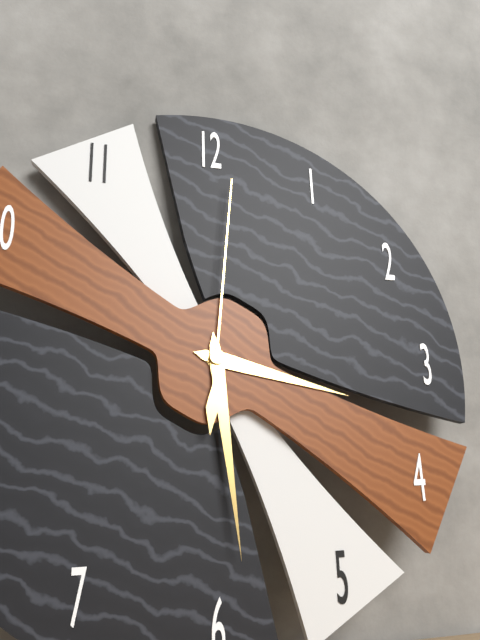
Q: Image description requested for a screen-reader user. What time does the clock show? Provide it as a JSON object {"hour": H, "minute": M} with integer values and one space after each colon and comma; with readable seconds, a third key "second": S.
{"hour": 3, "minute": 29, "second": 1}
